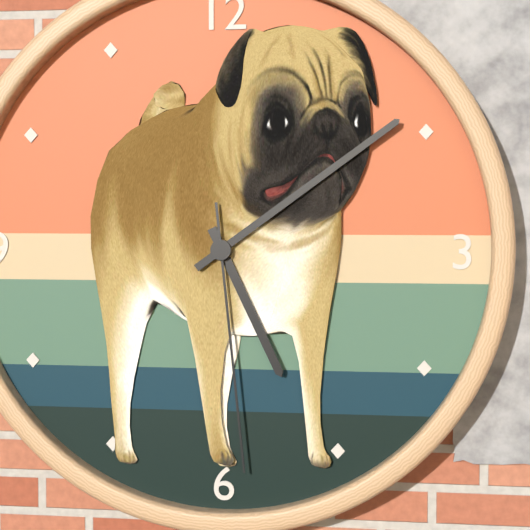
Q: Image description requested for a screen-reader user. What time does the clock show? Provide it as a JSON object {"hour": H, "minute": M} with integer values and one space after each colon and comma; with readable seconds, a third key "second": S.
{"hour": 5, "minute": 9, "second": 29}
